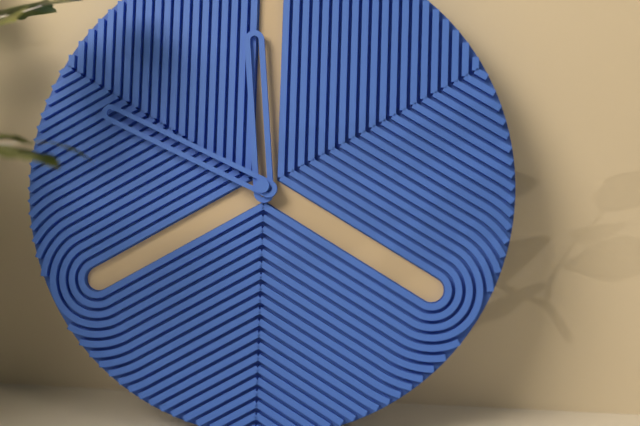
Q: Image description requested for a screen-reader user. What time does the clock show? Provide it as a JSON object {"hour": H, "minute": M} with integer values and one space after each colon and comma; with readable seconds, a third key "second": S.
{"hour": 11, "minute": 49}
